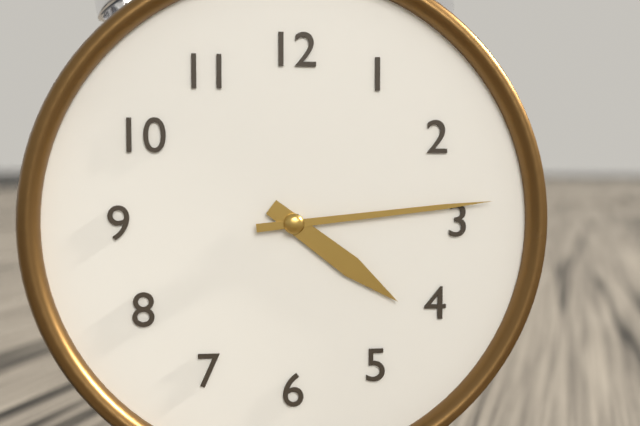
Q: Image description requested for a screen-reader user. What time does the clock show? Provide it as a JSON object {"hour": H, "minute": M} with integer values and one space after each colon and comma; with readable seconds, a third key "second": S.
{"hour": 4, "minute": 14}
